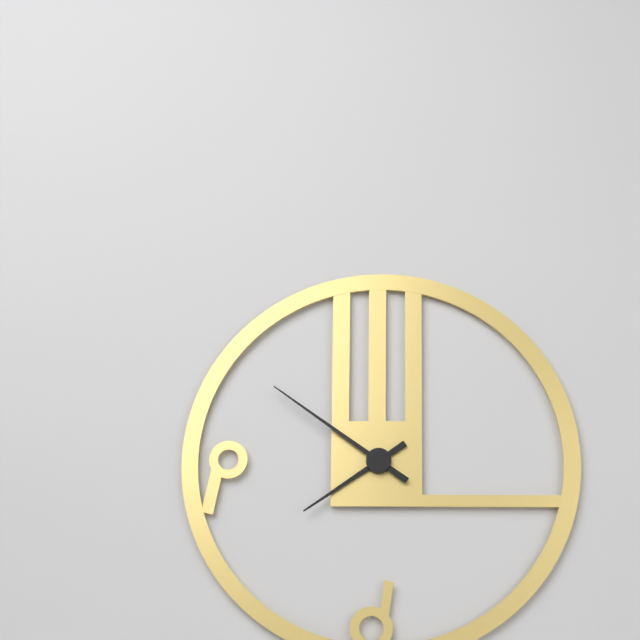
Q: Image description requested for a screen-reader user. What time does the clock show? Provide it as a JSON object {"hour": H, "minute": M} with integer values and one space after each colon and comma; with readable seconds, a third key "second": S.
{"hour": 7, "minute": 51}
